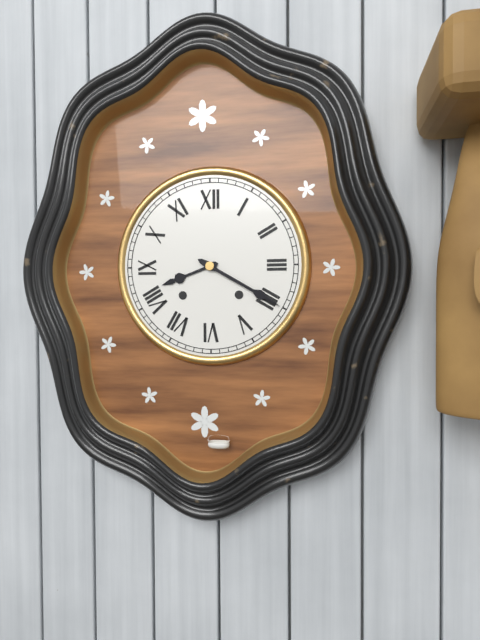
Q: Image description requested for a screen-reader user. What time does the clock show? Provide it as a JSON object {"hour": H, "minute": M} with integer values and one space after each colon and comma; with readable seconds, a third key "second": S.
{"hour": 8, "minute": 20}
